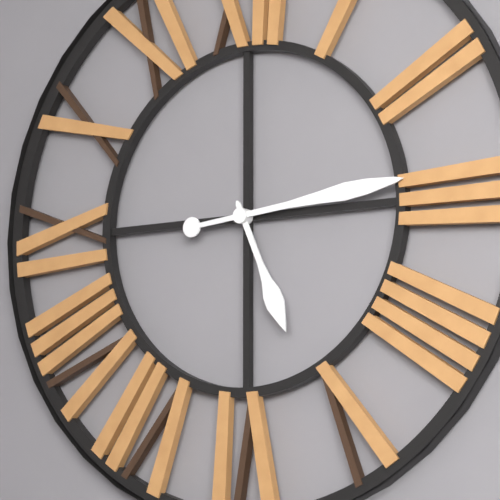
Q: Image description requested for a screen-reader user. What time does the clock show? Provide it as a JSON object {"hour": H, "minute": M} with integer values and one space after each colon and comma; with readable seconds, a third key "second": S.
{"hour": 5, "minute": 14}
